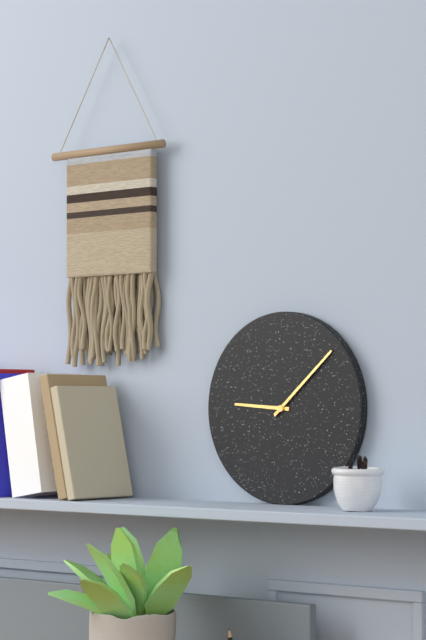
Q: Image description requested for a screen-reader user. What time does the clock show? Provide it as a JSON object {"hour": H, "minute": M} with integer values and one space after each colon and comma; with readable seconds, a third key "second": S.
{"hour": 9, "minute": 8}
